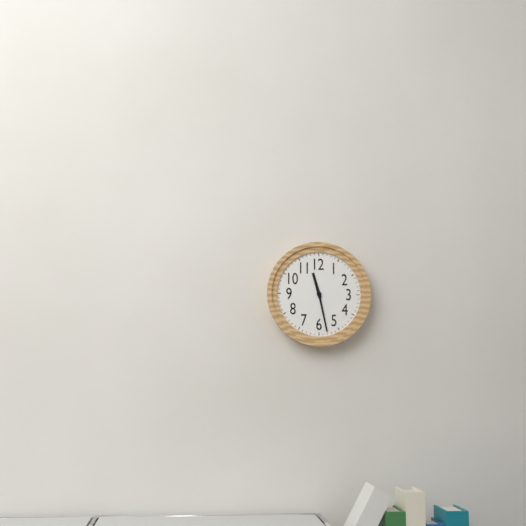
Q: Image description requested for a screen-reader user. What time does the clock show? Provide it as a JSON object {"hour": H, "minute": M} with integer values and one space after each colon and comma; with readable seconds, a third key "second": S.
{"hour": 11, "minute": 28}
